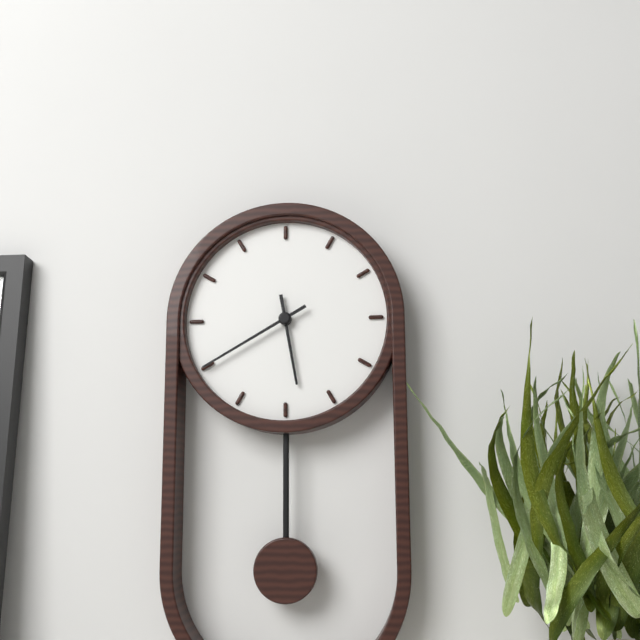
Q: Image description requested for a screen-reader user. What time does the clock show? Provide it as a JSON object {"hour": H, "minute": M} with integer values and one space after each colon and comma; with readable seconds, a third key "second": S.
{"hour": 5, "minute": 40}
